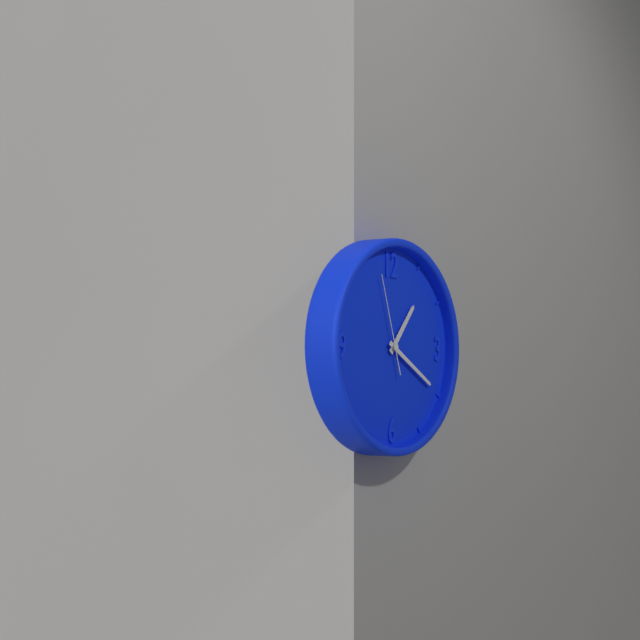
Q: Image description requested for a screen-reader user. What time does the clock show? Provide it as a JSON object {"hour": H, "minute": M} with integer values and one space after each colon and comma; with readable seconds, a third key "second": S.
{"hour": 1, "minute": 20, "second": 57}
